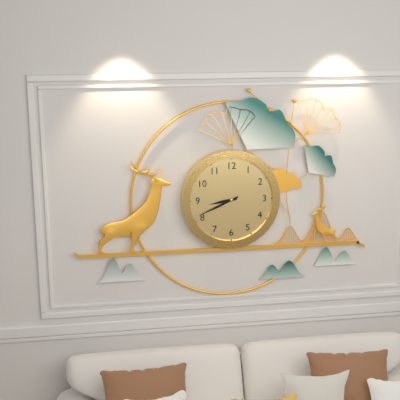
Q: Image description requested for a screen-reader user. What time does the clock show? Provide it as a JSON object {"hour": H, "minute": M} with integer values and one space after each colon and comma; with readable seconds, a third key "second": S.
{"hour": 8, "minute": 41}
